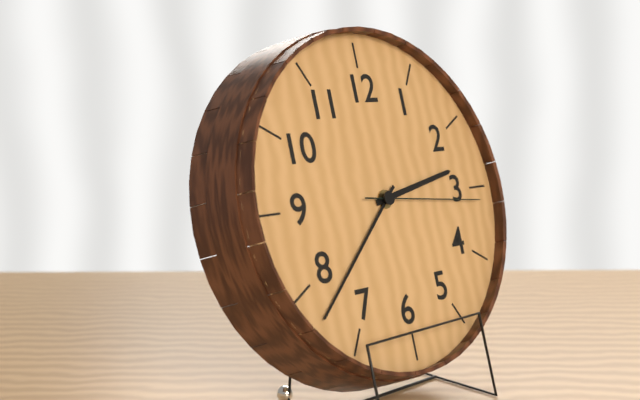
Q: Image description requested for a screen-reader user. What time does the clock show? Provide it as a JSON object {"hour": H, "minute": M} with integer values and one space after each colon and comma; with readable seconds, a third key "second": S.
{"hour": 2, "minute": 38, "second": 16}
